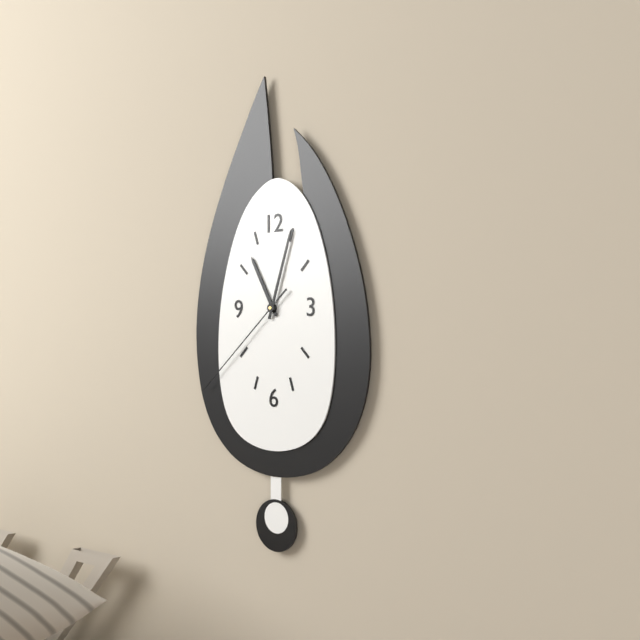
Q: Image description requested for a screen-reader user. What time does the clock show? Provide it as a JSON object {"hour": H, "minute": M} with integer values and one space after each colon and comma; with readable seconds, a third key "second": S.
{"hour": 11, "minute": 3, "second": 38}
